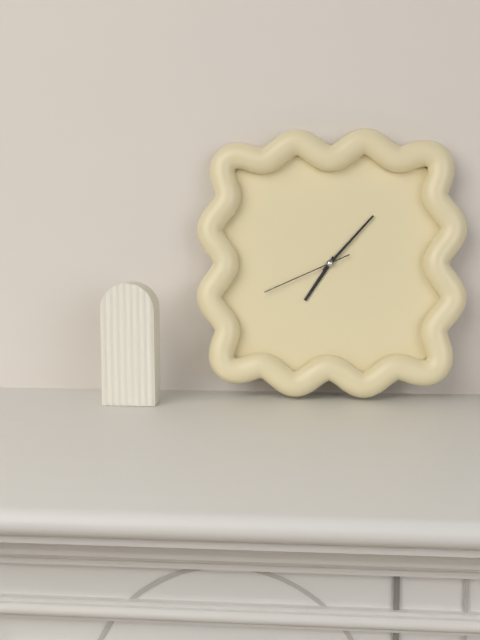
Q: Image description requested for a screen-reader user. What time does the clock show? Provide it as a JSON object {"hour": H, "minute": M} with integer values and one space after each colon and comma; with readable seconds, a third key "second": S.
{"hour": 7, "minute": 7, "second": 41}
